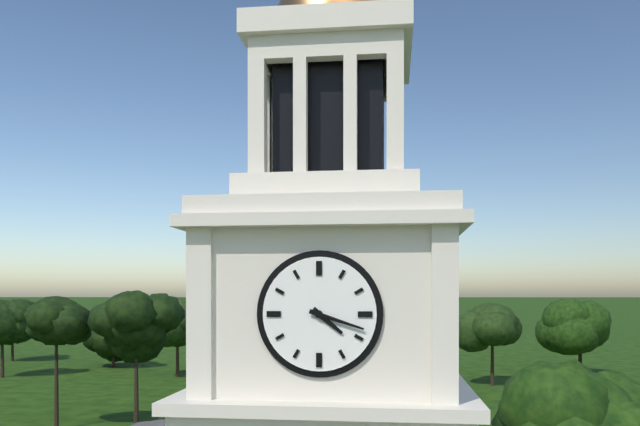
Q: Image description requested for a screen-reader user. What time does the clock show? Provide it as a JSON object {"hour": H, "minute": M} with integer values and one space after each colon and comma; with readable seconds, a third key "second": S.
{"hour": 4, "minute": 18}
